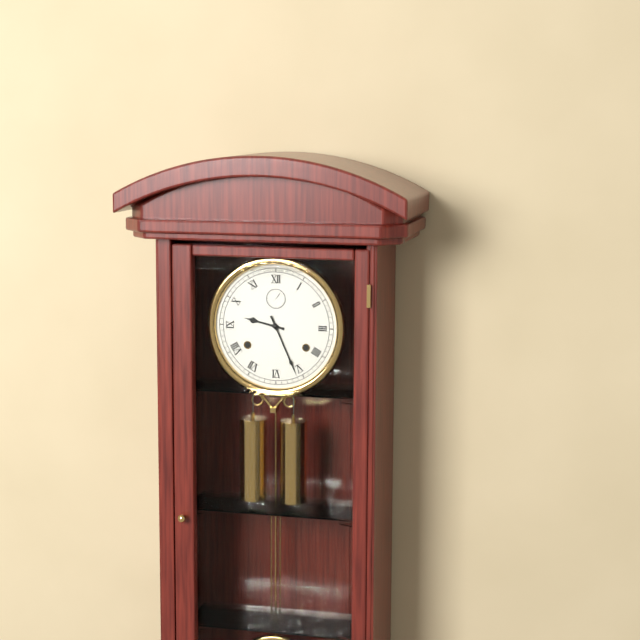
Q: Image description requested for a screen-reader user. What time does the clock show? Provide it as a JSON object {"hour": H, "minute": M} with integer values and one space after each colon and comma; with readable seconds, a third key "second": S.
{"hour": 9, "minute": 26}
